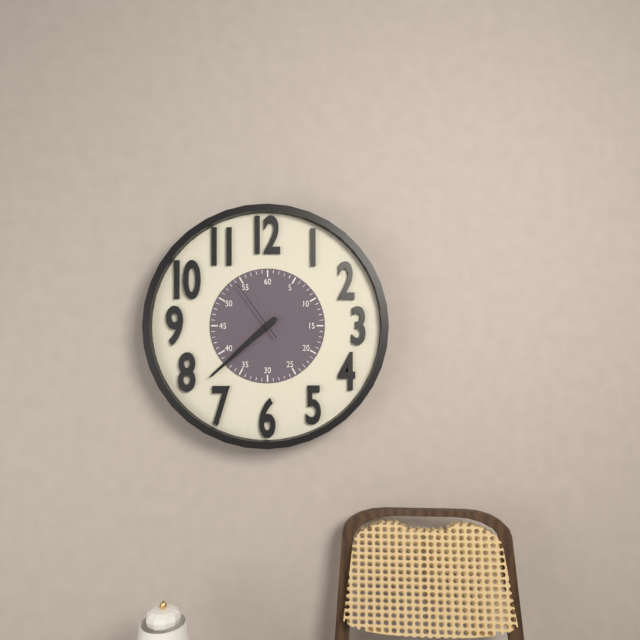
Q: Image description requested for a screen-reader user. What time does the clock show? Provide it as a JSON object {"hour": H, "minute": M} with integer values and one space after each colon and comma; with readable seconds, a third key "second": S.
{"hour": 7, "minute": 38, "second": 54}
